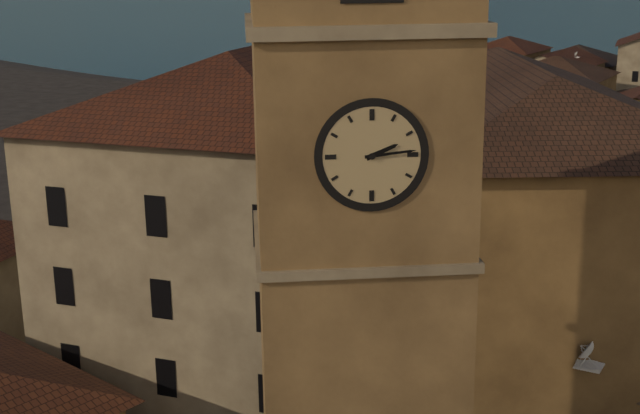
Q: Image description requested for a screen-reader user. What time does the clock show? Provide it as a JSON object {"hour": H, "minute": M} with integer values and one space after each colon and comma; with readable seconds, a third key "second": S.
{"hour": 2, "minute": 14}
